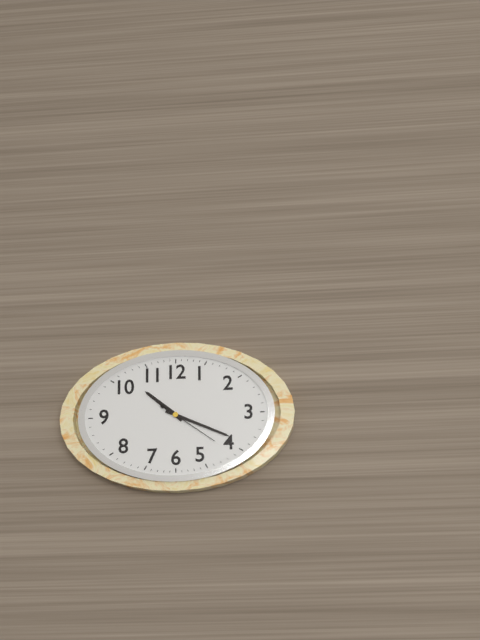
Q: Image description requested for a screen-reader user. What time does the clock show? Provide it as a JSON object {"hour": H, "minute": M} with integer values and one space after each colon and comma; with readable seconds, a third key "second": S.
{"hour": 10, "minute": 19, "second": 21}
